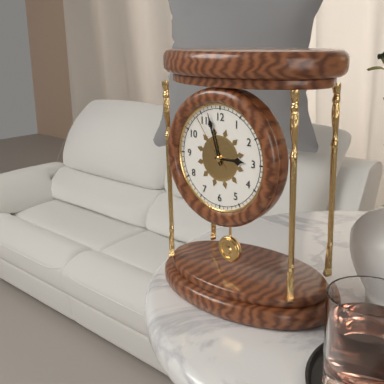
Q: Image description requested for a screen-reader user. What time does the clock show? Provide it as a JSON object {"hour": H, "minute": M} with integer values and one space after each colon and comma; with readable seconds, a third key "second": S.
{"hour": 2, "minute": 57, "second": 54}
